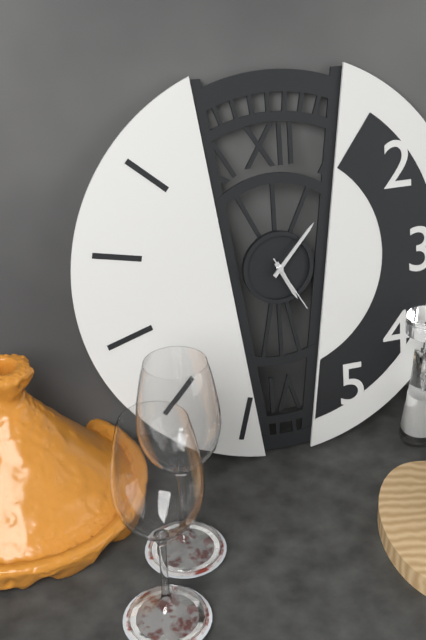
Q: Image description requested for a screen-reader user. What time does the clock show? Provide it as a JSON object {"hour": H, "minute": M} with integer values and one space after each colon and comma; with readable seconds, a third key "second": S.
{"hour": 5, "minute": 7, "second": 25}
